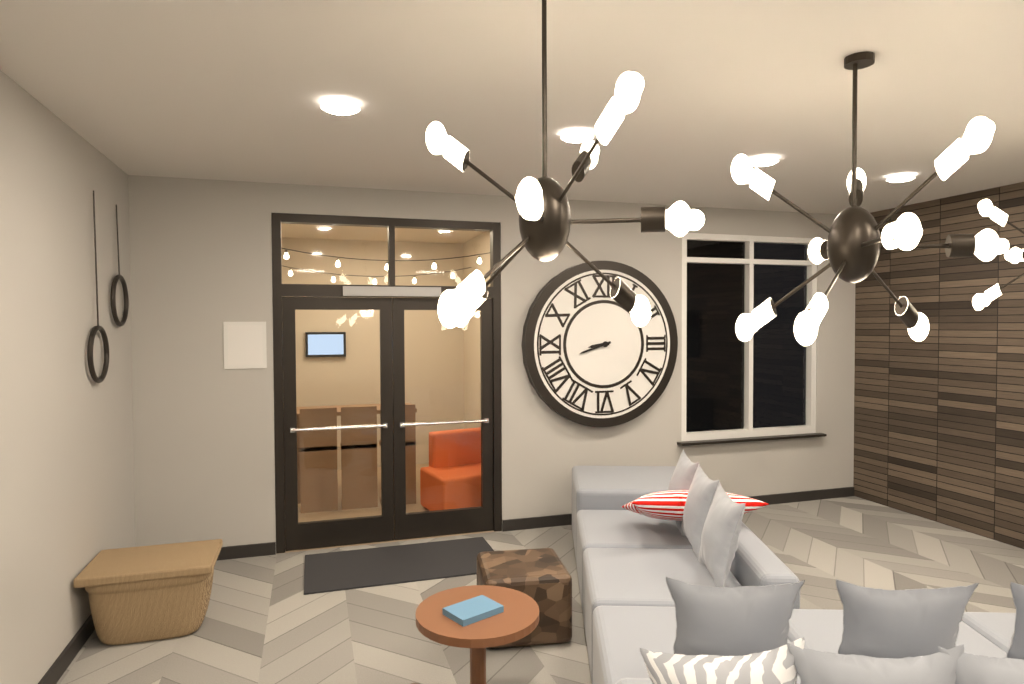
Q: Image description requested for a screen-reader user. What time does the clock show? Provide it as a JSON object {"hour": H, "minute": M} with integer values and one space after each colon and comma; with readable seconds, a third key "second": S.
{"hour": 8, "minute": 42}
